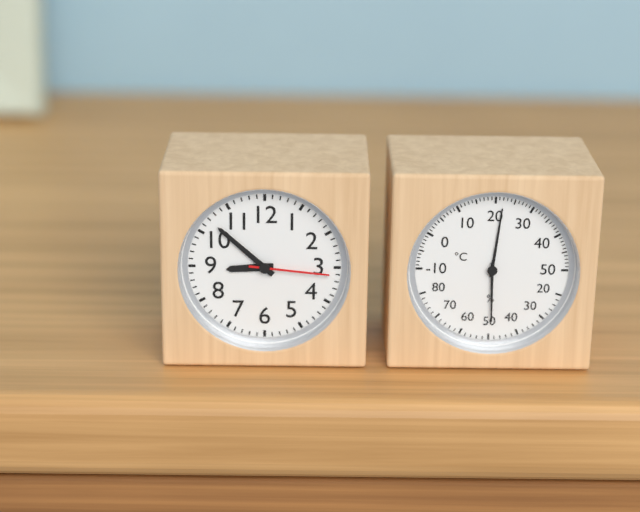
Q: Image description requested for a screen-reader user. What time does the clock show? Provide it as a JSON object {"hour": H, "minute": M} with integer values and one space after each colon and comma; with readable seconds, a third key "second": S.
{"hour": 8, "minute": 52, "second": 16}
